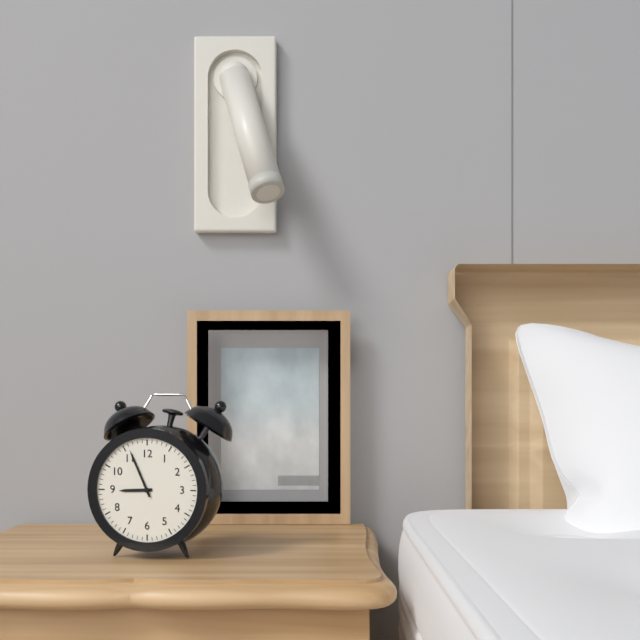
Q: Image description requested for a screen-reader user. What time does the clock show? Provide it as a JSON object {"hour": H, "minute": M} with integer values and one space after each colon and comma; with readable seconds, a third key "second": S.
{"hour": 8, "minute": 56}
